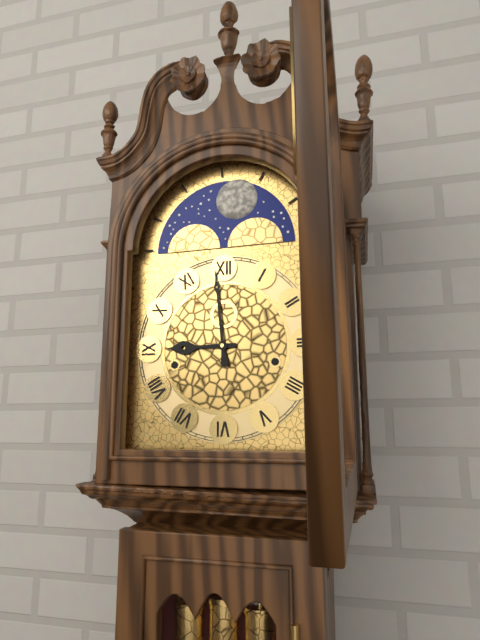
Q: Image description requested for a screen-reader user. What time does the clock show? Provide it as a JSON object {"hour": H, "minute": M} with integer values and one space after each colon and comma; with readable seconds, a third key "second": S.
{"hour": 8, "minute": 59}
